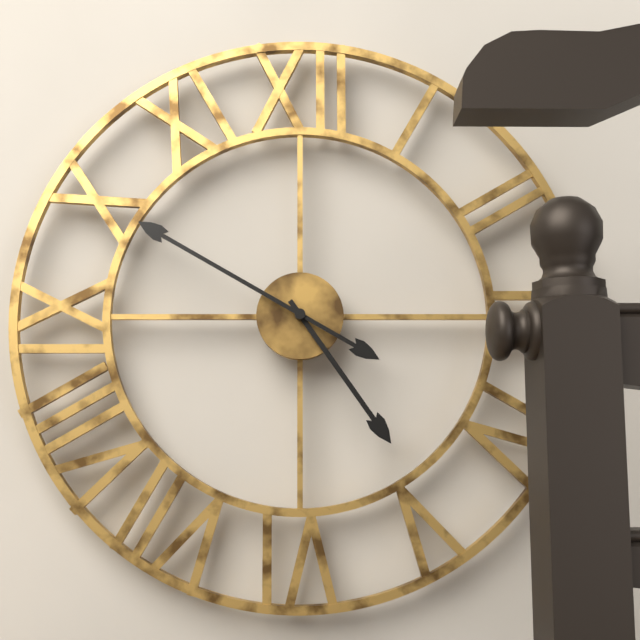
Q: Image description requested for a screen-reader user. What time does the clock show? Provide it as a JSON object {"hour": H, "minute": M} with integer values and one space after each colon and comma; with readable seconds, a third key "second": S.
{"hour": 4, "minute": 50}
